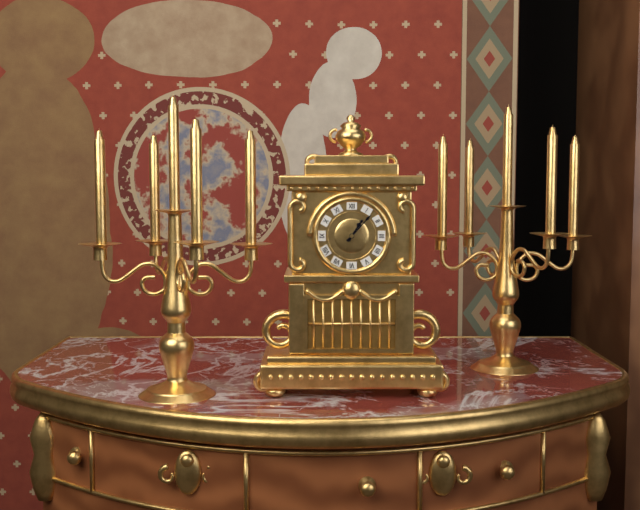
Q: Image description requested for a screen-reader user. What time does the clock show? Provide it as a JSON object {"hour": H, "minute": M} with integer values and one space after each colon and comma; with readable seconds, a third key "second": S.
{"hour": 1, "minute": 7}
